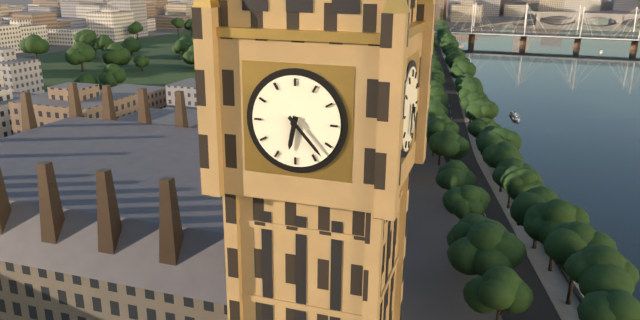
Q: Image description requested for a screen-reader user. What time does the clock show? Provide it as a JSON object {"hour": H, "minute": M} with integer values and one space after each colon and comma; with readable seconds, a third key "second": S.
{"hour": 6, "minute": 23}
